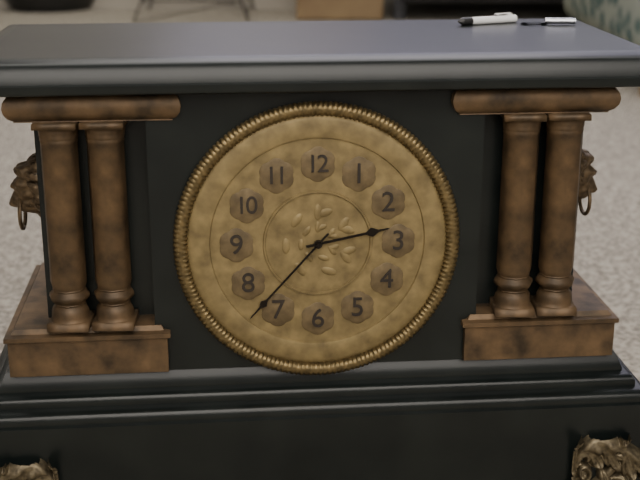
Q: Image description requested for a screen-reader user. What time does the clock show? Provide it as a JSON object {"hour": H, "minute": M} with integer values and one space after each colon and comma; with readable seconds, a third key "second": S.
{"hour": 2, "minute": 37}
